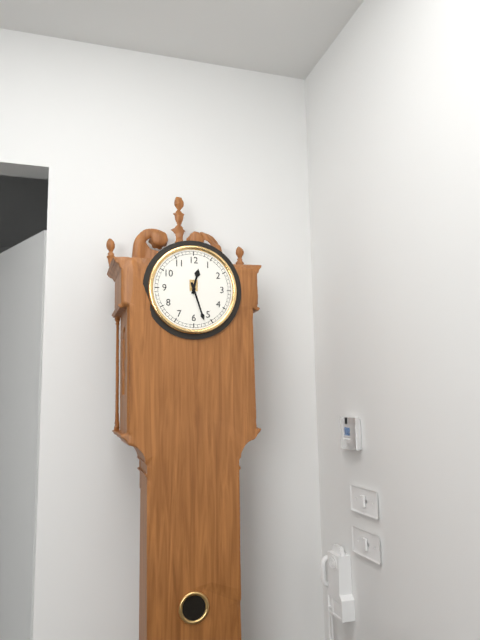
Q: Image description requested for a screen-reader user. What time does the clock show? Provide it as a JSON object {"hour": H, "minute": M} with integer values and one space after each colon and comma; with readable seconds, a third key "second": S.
{"hour": 12, "minute": 27}
